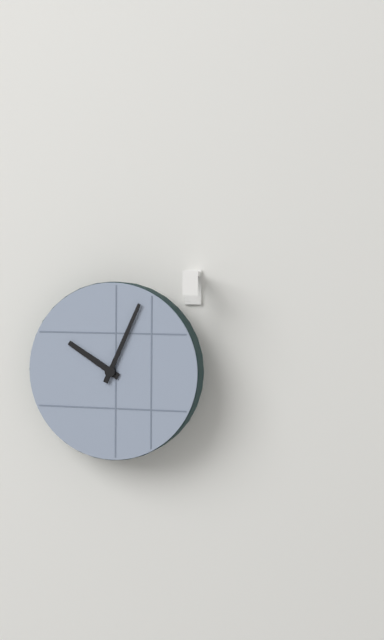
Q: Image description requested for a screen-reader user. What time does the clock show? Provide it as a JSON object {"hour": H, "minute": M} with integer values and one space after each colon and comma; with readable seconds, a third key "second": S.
{"hour": 10, "minute": 4}
